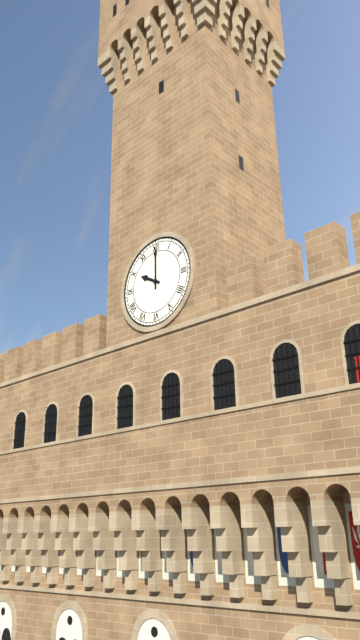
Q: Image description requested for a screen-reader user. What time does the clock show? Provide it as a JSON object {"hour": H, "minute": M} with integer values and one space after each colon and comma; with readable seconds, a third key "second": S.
{"hour": 10, "minute": 0}
